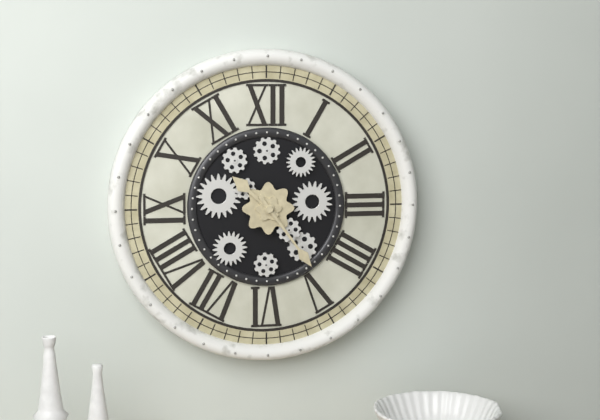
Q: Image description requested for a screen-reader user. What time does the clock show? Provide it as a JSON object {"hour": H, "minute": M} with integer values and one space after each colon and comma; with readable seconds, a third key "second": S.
{"hour": 10, "minute": 24}
